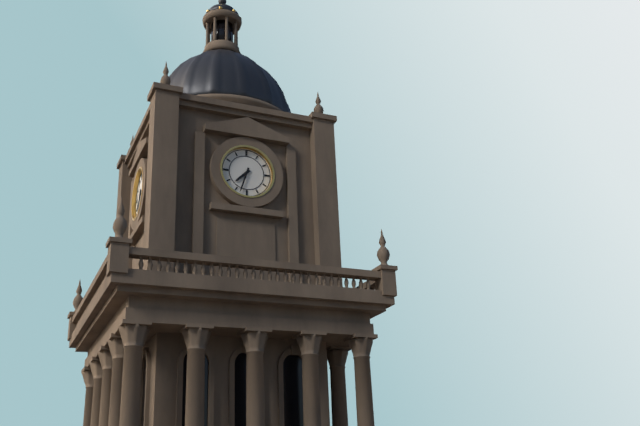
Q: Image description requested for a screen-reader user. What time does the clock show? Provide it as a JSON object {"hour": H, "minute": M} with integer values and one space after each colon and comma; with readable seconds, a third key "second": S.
{"hour": 7, "minute": 33}
